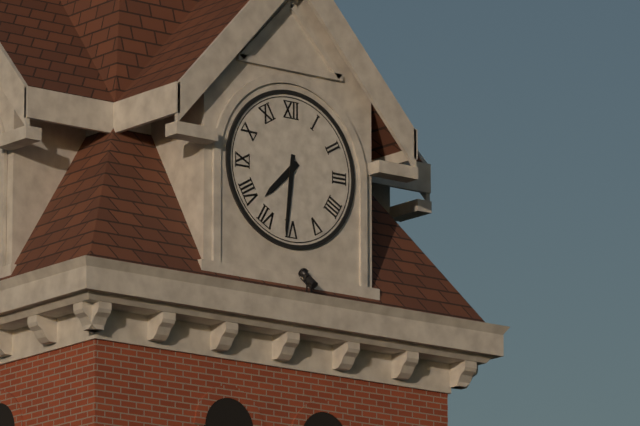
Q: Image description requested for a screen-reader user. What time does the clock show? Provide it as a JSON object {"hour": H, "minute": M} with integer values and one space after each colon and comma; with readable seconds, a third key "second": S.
{"hour": 7, "minute": 31}
